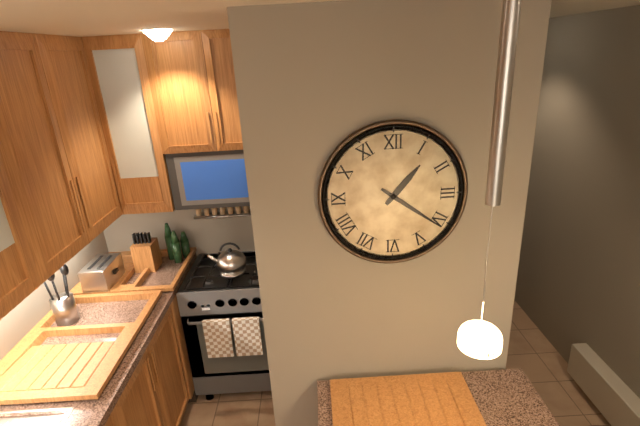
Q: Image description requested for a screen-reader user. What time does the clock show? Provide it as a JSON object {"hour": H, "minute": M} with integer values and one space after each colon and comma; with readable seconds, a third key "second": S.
{"hour": 1, "minute": 21}
